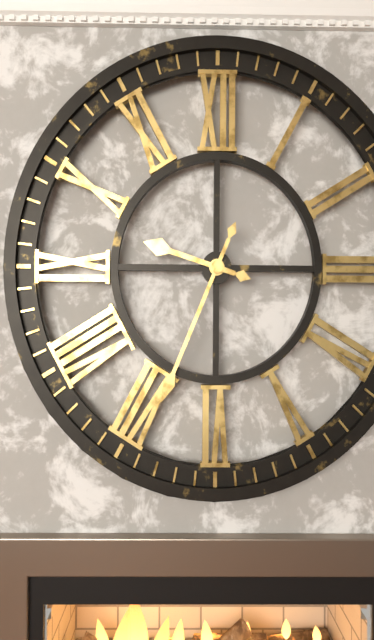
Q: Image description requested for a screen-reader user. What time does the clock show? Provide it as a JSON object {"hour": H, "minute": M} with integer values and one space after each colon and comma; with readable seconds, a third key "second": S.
{"hour": 9, "minute": 34}
